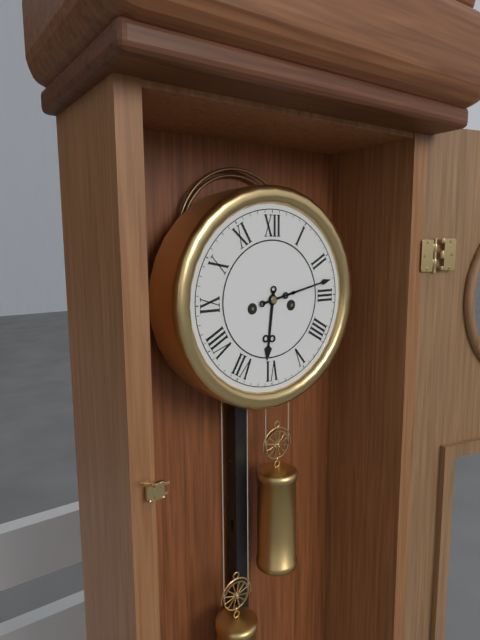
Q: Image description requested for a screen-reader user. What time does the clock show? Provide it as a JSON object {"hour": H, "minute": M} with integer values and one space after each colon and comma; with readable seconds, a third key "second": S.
{"hour": 6, "minute": 13}
